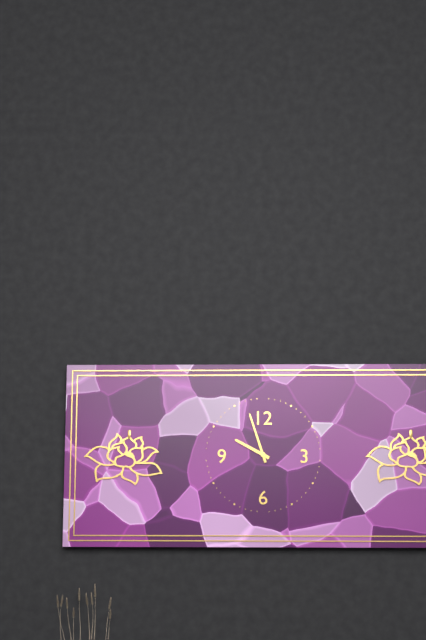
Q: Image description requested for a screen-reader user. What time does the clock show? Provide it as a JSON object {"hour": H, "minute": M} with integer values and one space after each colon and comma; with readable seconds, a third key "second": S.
{"hour": 9, "minute": 57}
